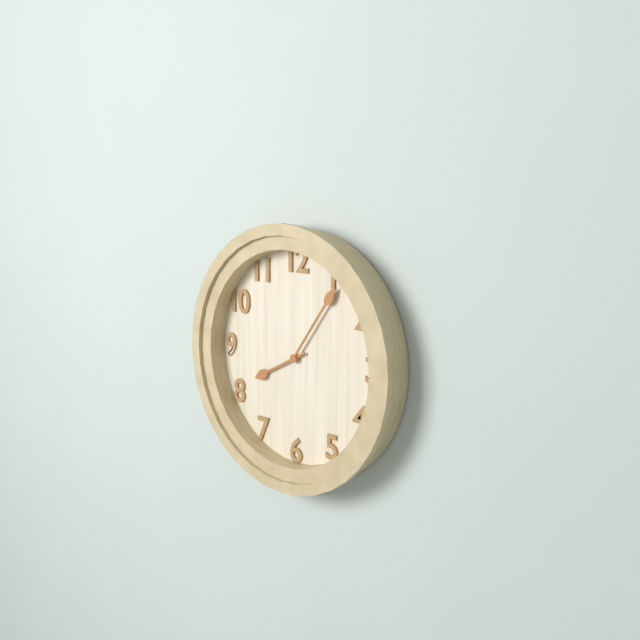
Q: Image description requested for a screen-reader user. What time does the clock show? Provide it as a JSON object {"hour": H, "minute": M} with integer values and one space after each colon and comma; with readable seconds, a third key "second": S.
{"hour": 8, "minute": 6}
